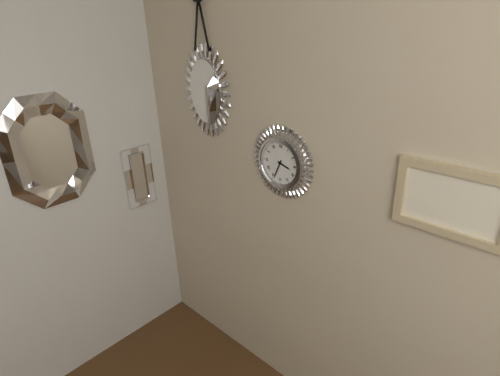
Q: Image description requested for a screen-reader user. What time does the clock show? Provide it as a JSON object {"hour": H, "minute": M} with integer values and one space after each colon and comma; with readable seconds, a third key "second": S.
{"hour": 3, "minute": 34}
